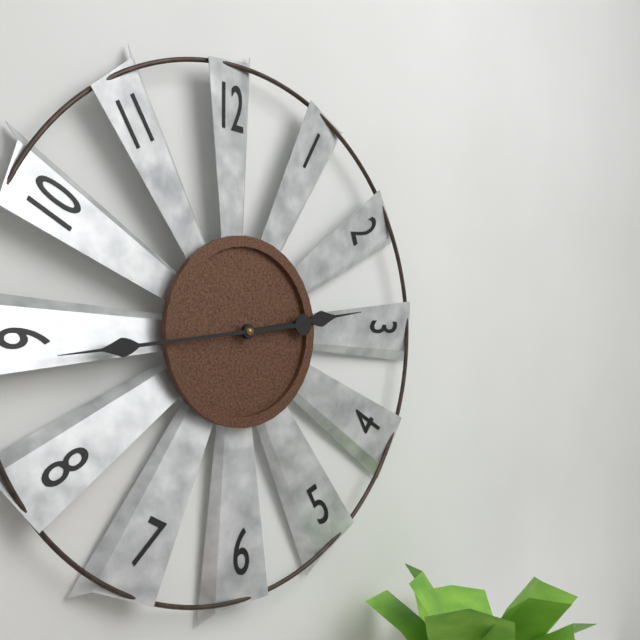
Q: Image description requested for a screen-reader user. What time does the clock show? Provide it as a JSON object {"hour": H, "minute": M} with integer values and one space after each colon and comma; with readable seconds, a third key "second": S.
{"hour": 2, "minute": 44}
